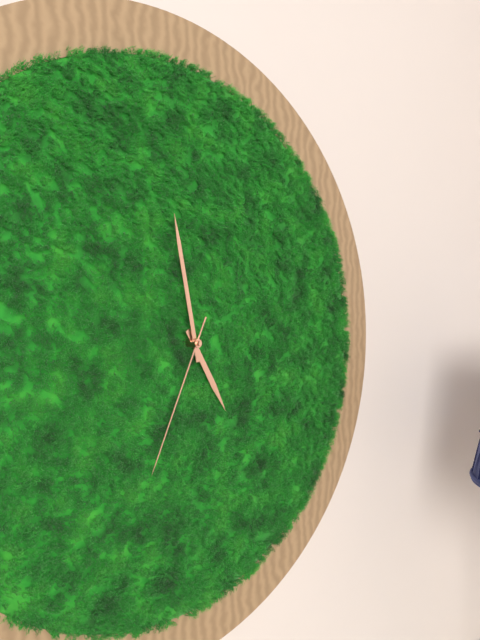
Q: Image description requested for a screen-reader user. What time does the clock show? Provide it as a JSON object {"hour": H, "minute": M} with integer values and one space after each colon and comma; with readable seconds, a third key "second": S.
{"hour": 4, "minute": 58, "second": 34}
